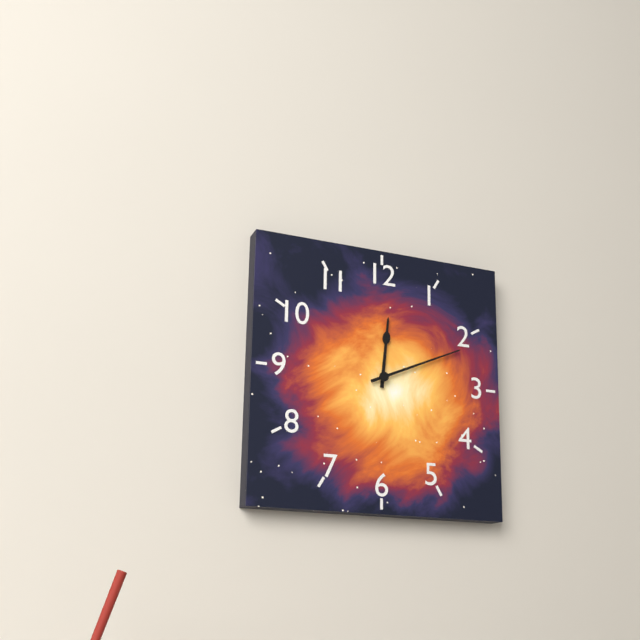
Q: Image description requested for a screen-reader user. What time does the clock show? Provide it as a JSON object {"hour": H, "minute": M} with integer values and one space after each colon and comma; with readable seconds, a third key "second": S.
{"hour": 12, "minute": 11}
